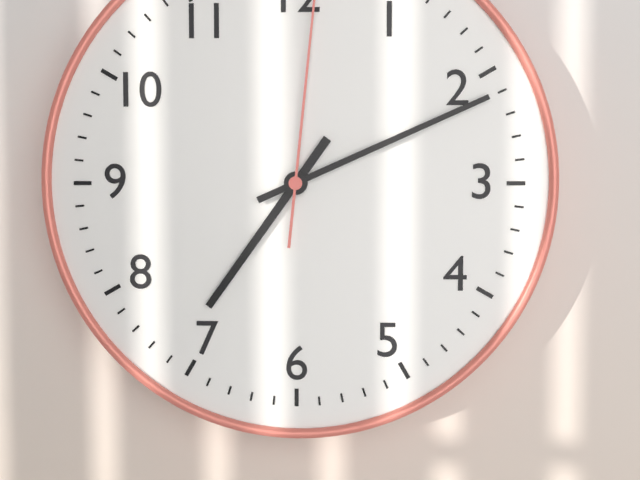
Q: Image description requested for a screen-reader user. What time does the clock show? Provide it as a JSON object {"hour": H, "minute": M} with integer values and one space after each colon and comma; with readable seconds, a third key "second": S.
{"hour": 7, "minute": 11}
